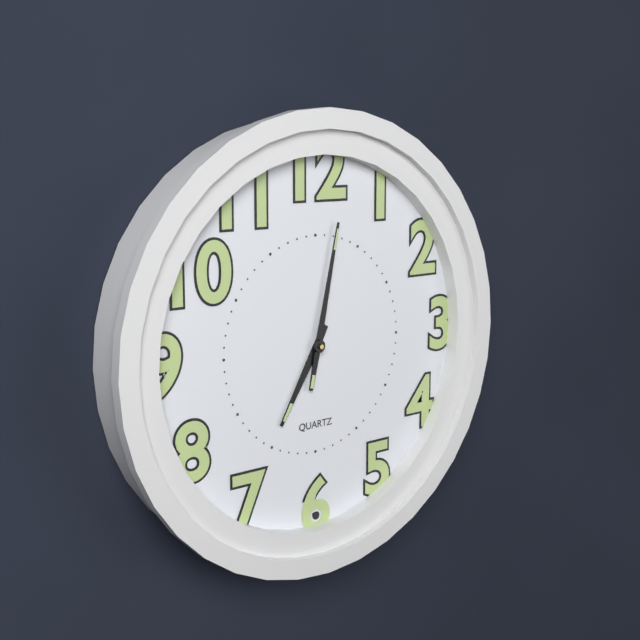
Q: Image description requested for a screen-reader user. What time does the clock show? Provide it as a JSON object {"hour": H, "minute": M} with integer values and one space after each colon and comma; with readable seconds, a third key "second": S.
{"hour": 7, "minute": 2}
